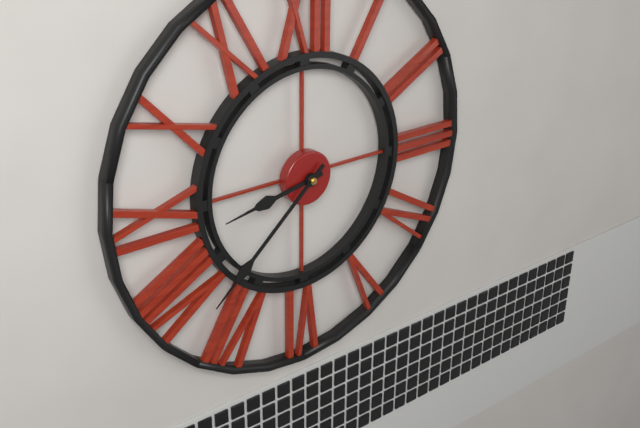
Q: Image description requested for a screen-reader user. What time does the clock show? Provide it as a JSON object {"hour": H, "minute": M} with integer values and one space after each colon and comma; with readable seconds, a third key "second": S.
{"hour": 8, "minute": 38}
